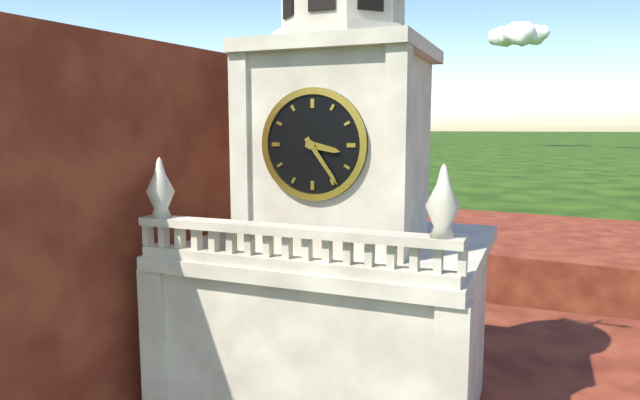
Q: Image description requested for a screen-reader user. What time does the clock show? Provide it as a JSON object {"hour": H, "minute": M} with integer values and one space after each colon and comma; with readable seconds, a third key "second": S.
{"hour": 3, "minute": 24}
